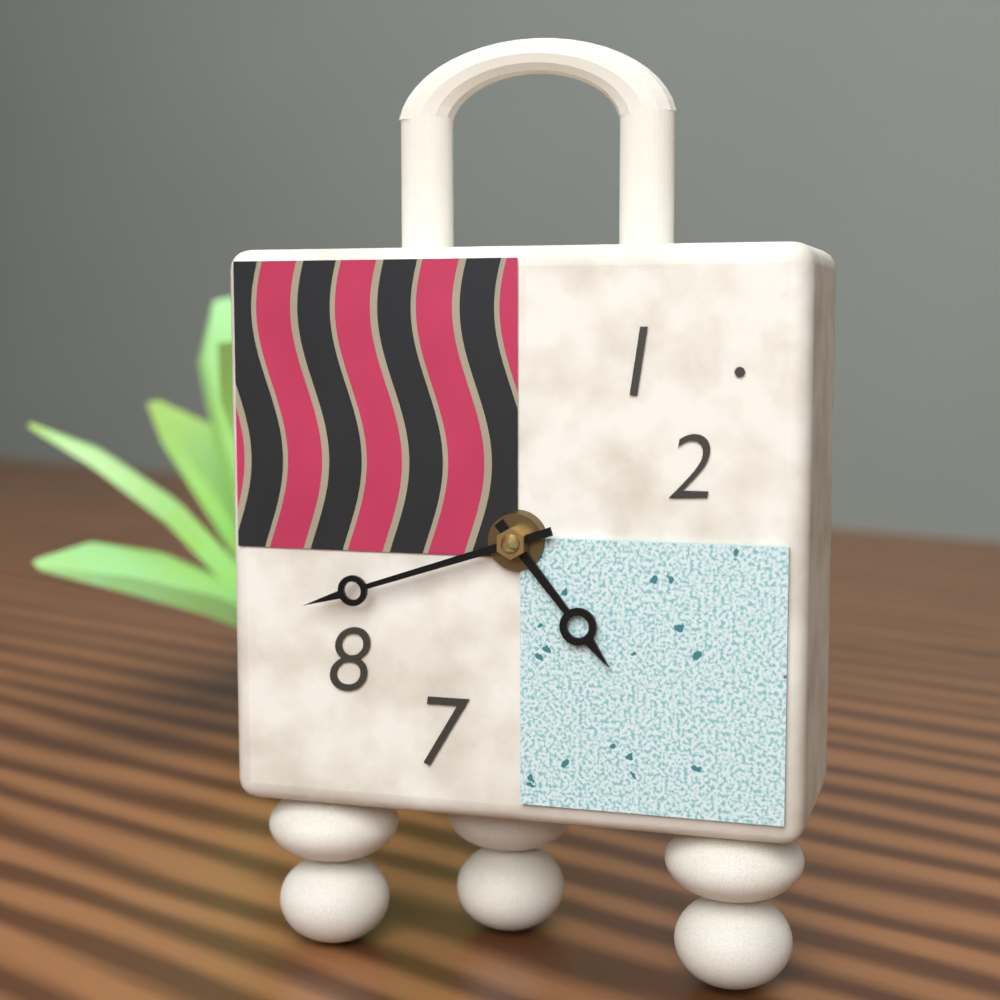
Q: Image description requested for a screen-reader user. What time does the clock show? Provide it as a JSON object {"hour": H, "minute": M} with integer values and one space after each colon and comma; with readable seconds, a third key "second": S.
{"hour": 4, "minute": 42}
